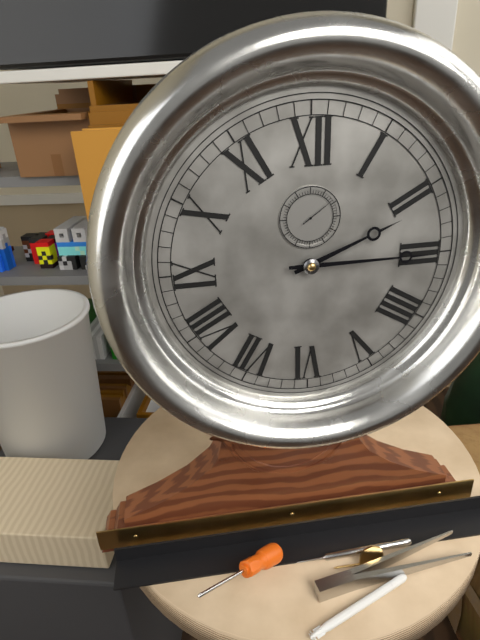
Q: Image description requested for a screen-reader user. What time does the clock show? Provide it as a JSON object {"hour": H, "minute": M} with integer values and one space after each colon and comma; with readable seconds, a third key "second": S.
{"hour": 2, "minute": 15}
